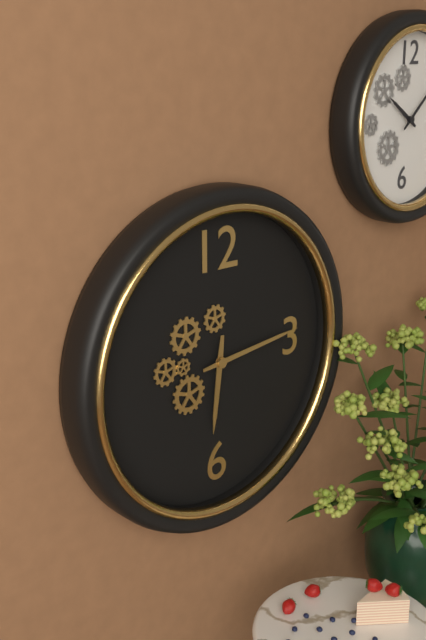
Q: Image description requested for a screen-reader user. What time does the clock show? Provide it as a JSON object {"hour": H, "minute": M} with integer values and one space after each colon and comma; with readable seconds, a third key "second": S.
{"hour": 6, "minute": 14}
